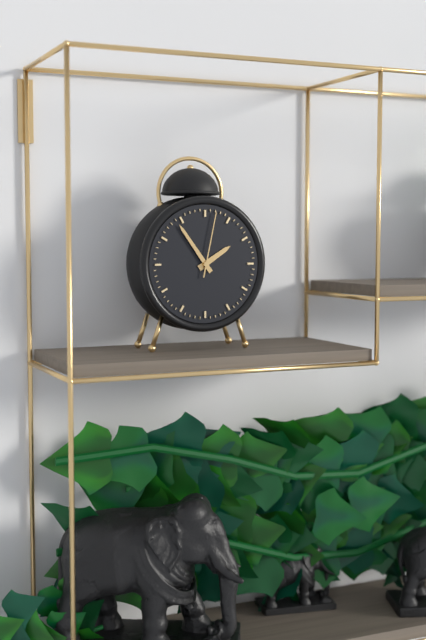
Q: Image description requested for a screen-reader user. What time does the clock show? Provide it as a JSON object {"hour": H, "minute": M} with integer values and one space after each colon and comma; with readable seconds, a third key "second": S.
{"hour": 1, "minute": 54, "second": 2}
